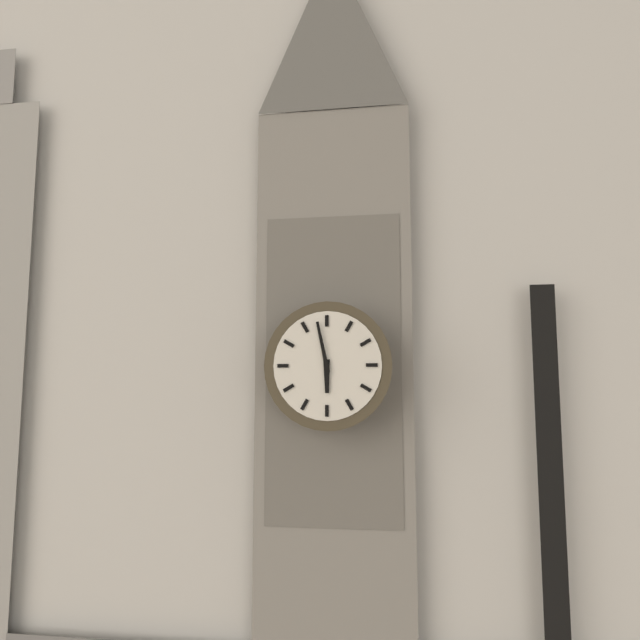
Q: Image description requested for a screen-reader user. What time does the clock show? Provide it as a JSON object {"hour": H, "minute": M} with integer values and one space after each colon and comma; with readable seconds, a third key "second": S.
{"hour": 5, "minute": 58}
